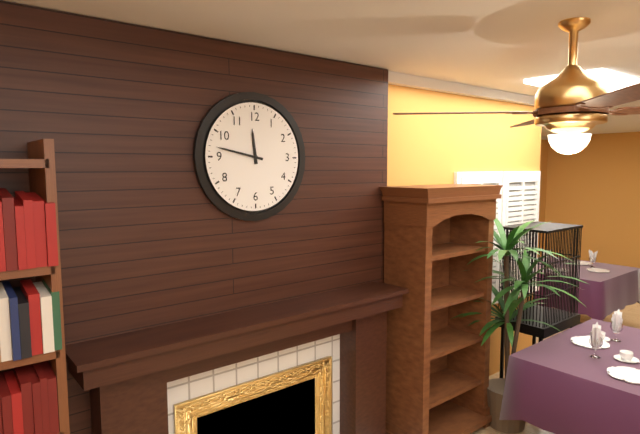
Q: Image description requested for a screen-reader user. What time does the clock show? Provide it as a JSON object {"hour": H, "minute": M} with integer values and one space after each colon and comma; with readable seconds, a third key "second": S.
{"hour": 11, "minute": 47}
